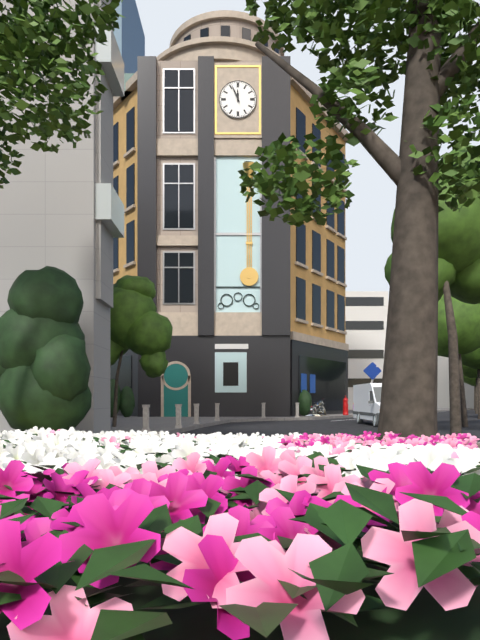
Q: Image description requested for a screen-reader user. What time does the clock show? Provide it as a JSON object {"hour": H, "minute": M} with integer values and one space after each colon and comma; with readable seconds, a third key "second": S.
{"hour": 11, "minute": 56}
